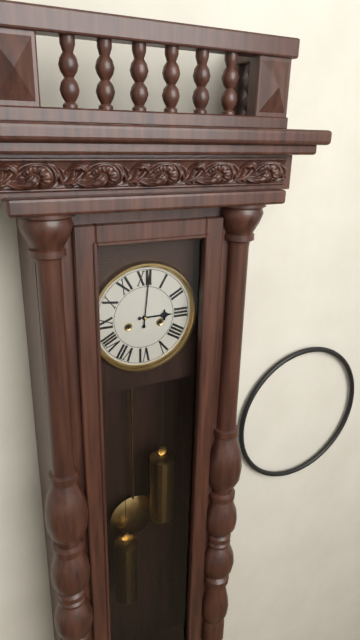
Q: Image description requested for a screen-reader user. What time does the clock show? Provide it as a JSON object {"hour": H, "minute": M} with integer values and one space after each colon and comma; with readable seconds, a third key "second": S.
{"hour": 3, "minute": 1}
